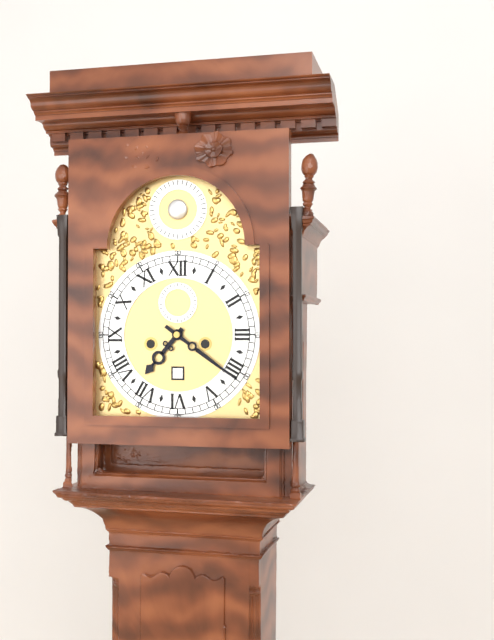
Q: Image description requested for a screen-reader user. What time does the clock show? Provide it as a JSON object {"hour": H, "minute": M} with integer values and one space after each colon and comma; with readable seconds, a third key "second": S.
{"hour": 7, "minute": 21}
